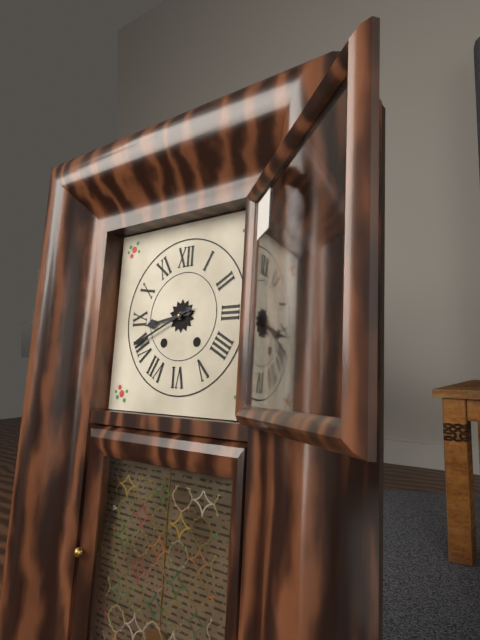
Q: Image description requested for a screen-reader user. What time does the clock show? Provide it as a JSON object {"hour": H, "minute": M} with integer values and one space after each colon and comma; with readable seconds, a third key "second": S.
{"hour": 8, "minute": 41}
